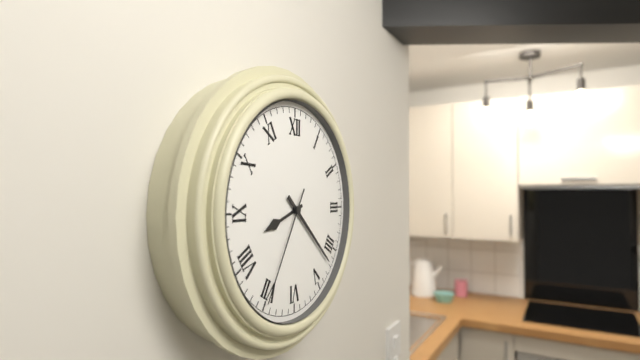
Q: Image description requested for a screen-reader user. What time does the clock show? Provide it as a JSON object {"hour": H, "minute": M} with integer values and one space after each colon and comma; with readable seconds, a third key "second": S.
{"hour": 8, "minute": 22, "second": 35}
